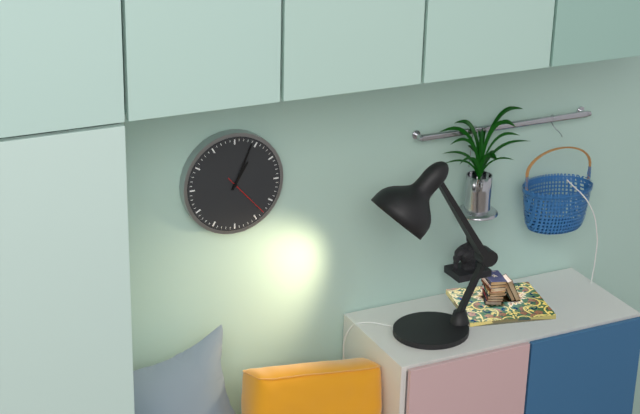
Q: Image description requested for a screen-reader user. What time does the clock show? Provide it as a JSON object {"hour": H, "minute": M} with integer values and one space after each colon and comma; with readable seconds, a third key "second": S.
{"hour": 1, "minute": 4}
